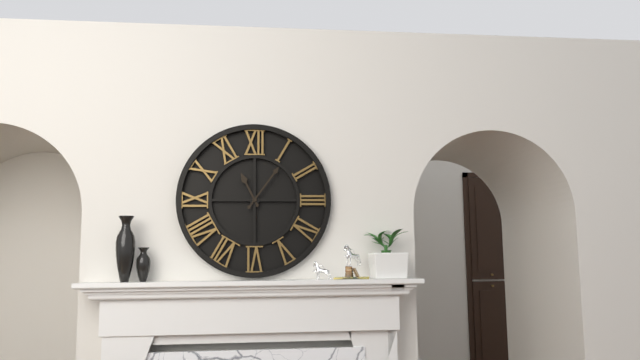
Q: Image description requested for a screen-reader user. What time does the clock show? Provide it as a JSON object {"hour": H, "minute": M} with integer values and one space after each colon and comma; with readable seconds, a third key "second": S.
{"hour": 11, "minute": 6}
